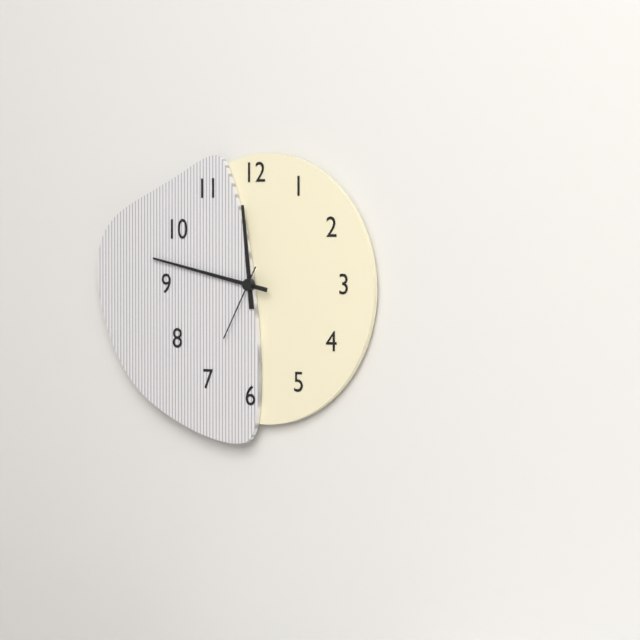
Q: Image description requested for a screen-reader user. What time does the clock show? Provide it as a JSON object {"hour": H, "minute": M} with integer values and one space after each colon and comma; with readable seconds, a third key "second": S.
{"hour": 11, "minute": 47, "second": 35}
